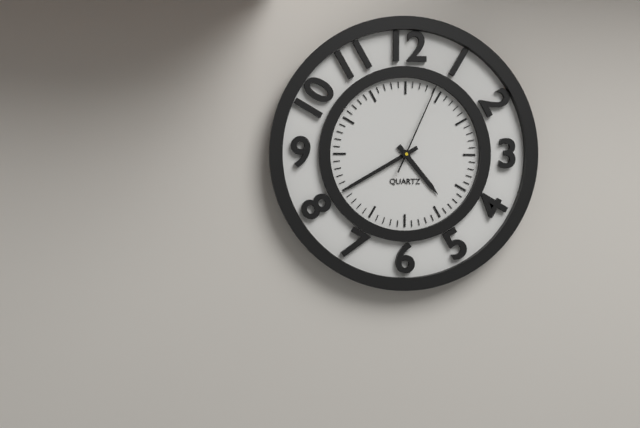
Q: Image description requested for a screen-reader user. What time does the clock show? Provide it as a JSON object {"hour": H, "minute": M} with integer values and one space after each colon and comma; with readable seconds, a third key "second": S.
{"hour": 4, "minute": 40, "second": 4}
